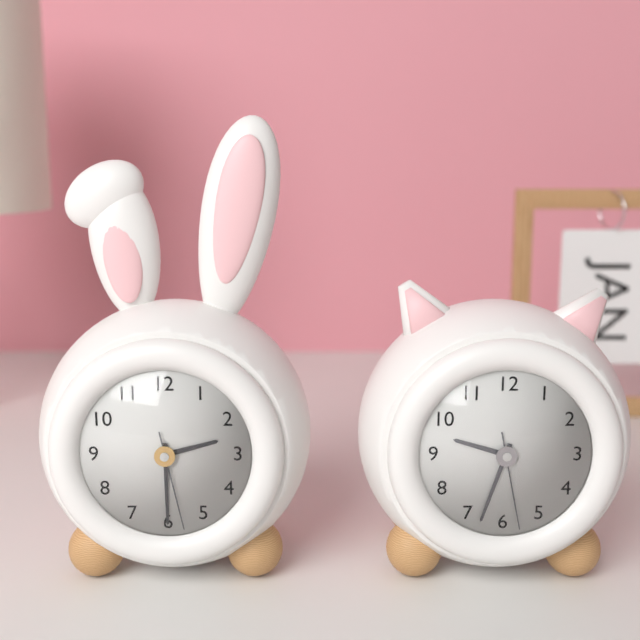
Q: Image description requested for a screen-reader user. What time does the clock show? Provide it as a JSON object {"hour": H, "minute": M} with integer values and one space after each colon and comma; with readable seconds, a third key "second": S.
{"hour": 2, "minute": 30, "second": 28}
